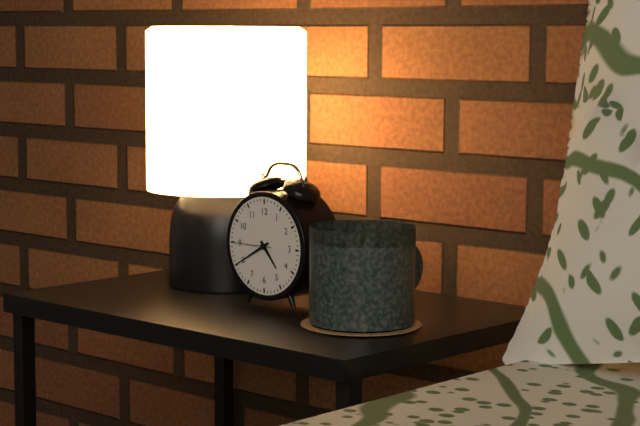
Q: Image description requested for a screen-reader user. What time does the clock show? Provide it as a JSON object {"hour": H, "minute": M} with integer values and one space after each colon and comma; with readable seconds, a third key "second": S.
{"hour": 4, "minute": 40}
